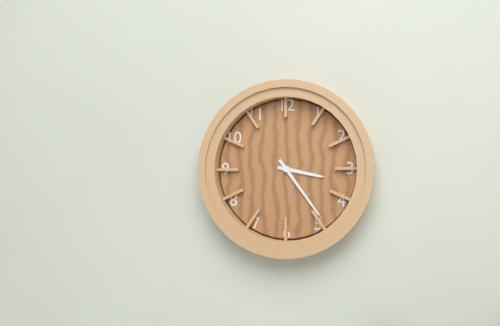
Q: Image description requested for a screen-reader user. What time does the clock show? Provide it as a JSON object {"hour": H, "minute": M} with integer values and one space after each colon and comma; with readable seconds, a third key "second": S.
{"hour": 3, "minute": 24}
